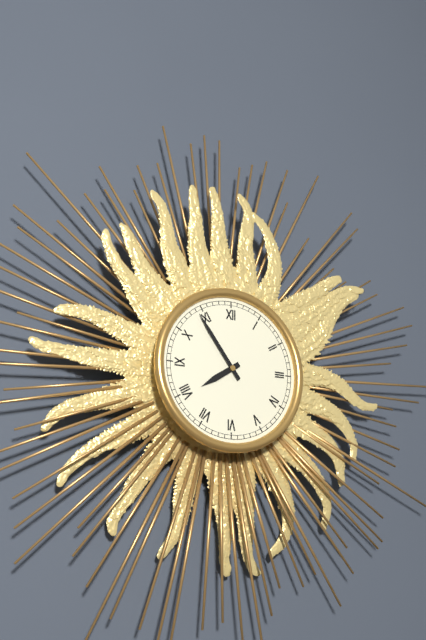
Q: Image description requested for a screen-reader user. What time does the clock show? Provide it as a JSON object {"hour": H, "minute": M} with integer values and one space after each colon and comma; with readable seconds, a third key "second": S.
{"hour": 7, "minute": 54}
